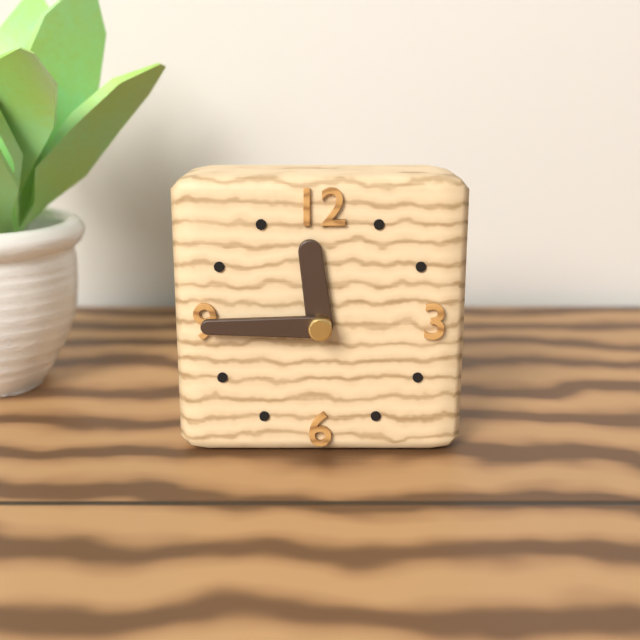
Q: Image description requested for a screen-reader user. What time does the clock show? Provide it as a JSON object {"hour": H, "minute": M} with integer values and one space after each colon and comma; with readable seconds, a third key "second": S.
{"hour": 11, "minute": 45}
